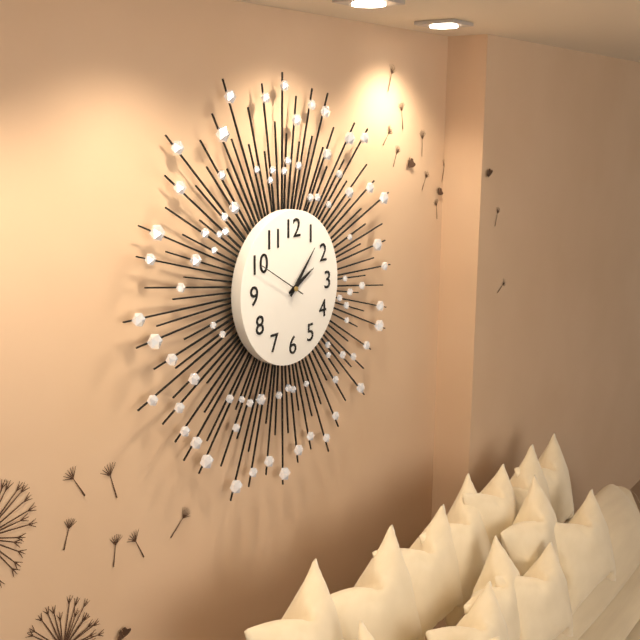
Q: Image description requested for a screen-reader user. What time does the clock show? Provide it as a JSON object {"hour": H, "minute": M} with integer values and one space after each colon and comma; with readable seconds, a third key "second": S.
{"hour": 2, "minute": 7, "second": 50}
